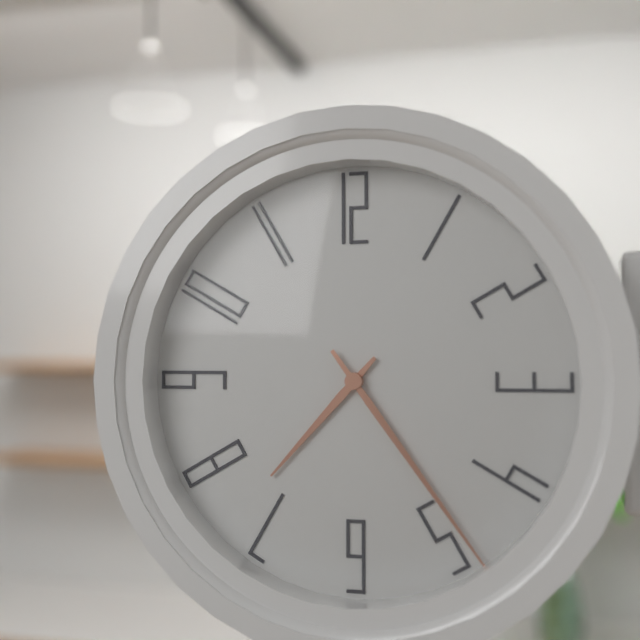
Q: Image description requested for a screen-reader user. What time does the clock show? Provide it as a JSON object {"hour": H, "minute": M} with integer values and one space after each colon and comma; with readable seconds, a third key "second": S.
{"hour": 7, "minute": 24}
